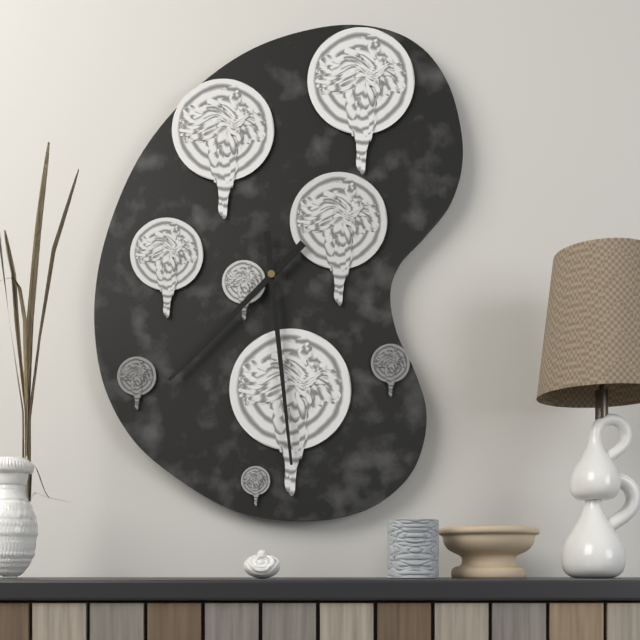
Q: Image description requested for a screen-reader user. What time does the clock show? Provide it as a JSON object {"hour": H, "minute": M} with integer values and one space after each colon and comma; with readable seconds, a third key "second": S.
{"hour": 7, "minute": 29}
